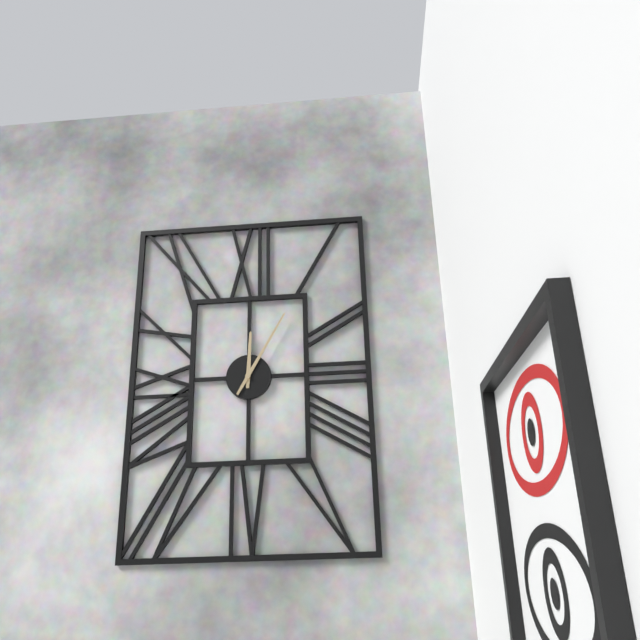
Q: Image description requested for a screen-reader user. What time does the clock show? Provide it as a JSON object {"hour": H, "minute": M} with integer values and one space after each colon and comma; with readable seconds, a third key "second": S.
{"hour": 12, "minute": 5}
